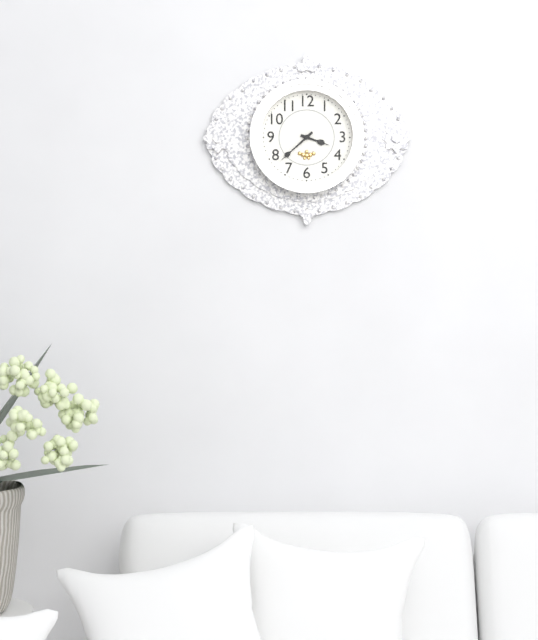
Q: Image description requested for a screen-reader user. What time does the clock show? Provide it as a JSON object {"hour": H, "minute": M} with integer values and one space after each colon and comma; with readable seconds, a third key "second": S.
{"hour": 3, "minute": 38}
